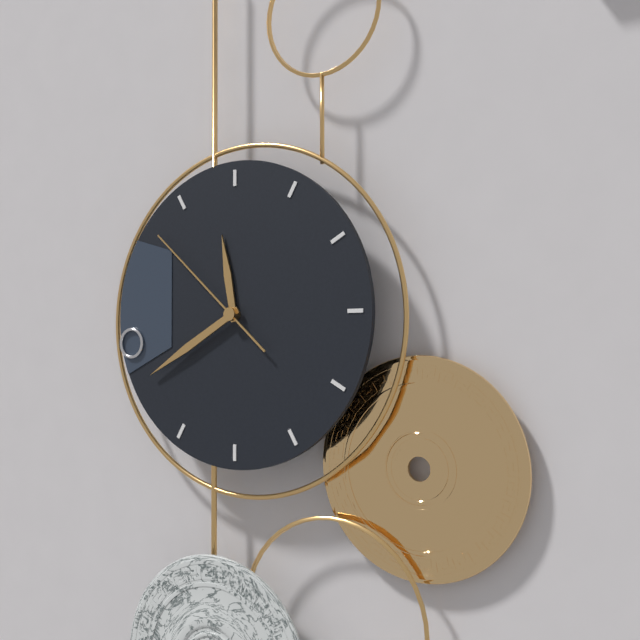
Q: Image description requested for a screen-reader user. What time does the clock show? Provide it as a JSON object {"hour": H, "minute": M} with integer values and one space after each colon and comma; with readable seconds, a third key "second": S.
{"hour": 11, "minute": 40, "second": 52}
